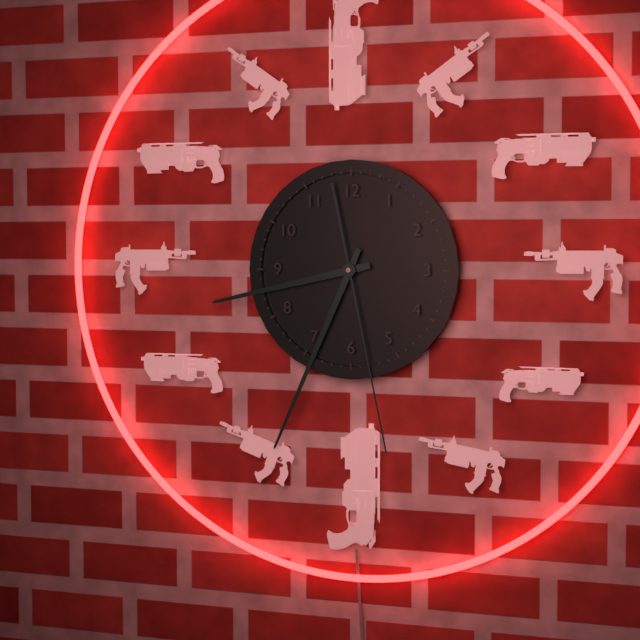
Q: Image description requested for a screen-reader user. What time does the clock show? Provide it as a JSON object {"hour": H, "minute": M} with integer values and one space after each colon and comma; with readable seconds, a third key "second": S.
{"hour": 8, "minute": 34, "second": 28}
